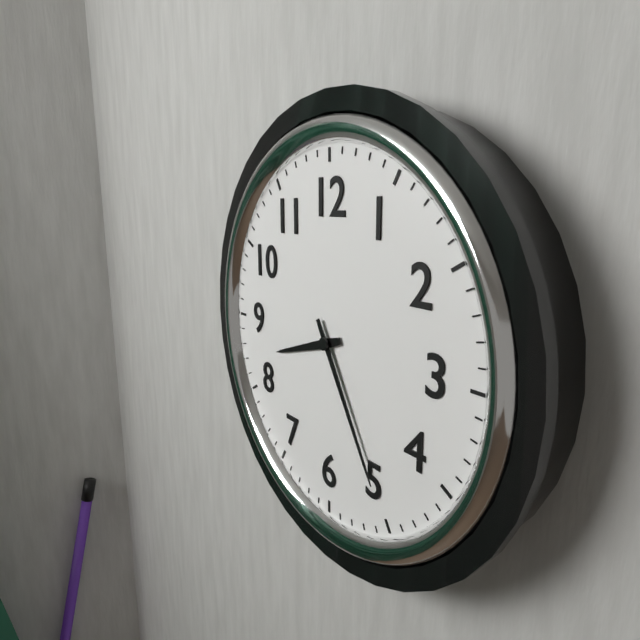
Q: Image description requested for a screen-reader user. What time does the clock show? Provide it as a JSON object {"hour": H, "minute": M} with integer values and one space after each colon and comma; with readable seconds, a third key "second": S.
{"hour": 8, "minute": 25}
